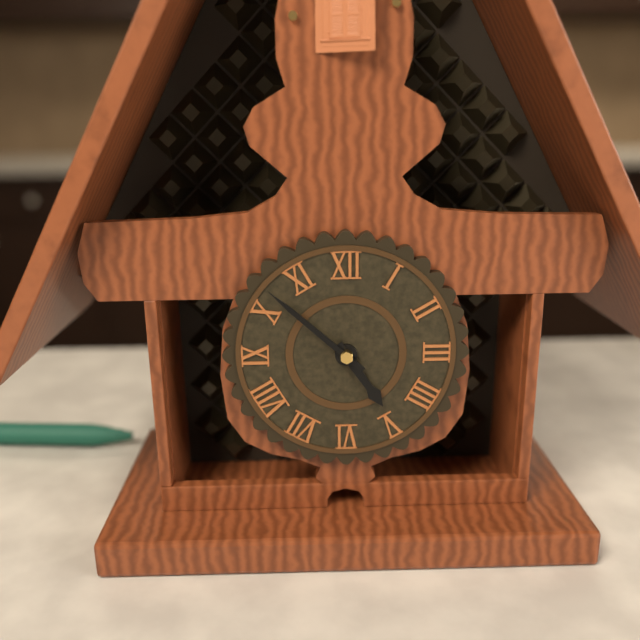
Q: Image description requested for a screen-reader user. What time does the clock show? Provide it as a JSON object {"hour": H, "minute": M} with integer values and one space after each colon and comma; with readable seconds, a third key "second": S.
{"hour": 4, "minute": 52}
